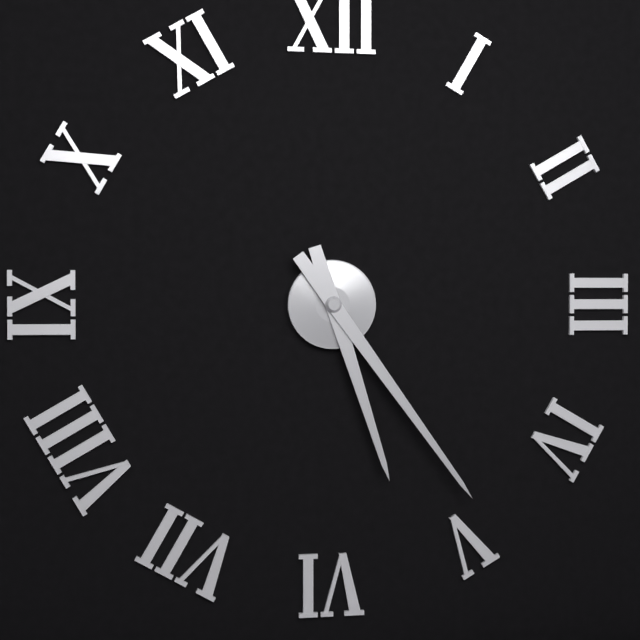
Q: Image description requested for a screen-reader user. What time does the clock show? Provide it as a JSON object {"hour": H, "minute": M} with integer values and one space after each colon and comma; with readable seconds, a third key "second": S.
{"hour": 5, "minute": 24}
